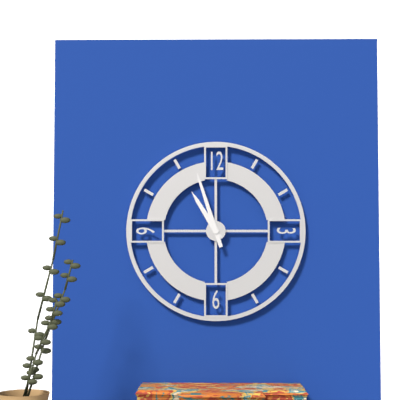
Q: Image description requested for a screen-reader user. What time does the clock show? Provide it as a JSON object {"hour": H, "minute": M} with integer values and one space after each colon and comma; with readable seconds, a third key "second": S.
{"hour": 10, "minute": 57}
